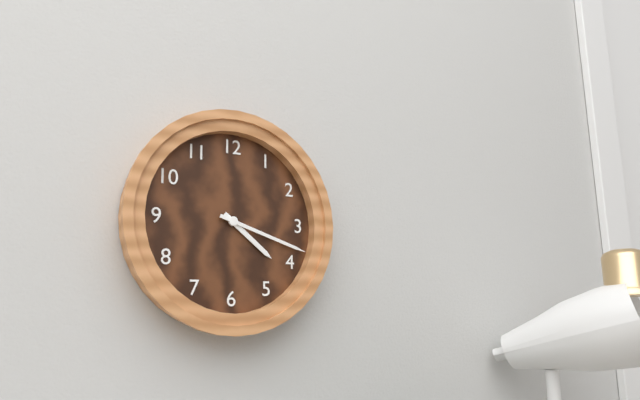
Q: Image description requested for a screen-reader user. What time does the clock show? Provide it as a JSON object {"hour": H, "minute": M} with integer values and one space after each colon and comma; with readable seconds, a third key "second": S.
{"hour": 4, "minute": 18}
